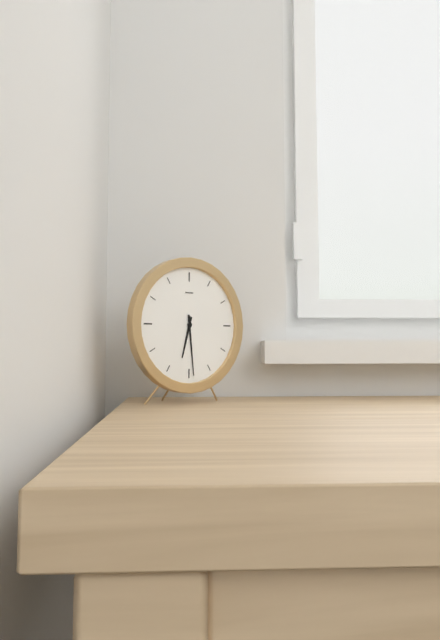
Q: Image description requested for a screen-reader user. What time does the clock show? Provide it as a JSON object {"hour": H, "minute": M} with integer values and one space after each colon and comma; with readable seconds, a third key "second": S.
{"hour": 6, "minute": 29}
